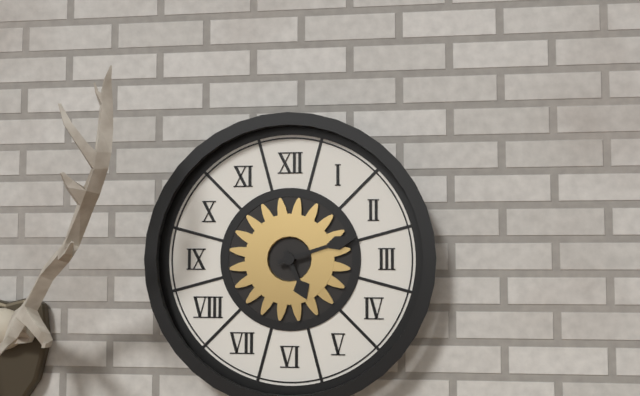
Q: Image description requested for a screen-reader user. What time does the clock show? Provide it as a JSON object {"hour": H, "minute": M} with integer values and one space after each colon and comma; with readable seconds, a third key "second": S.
{"hour": 5, "minute": 12}
